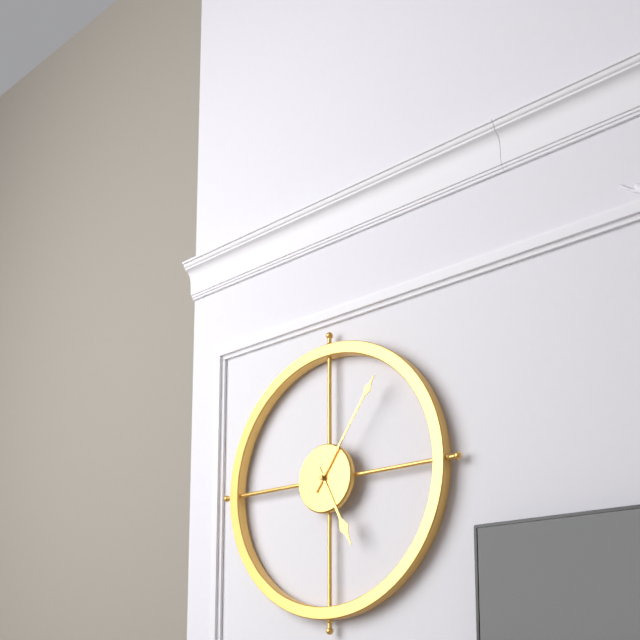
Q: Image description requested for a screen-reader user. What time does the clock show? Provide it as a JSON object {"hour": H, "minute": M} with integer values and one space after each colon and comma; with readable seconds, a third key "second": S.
{"hour": 5, "minute": 6}
